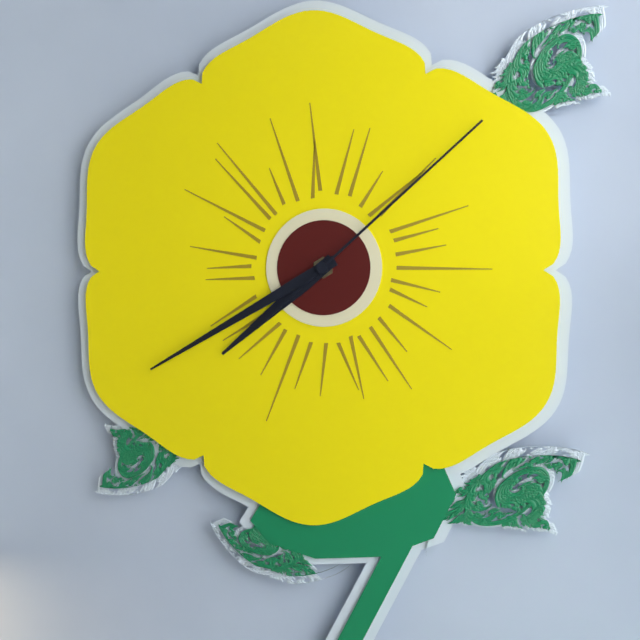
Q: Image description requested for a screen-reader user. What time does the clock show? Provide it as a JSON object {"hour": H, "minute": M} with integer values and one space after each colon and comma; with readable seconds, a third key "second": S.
{"hour": 7, "minute": 40, "second": 8}
